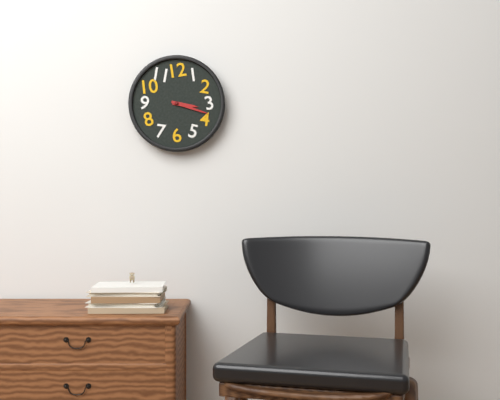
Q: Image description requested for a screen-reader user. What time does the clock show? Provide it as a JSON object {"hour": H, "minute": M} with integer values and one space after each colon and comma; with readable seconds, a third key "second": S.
{"hour": 3, "minute": 18}
